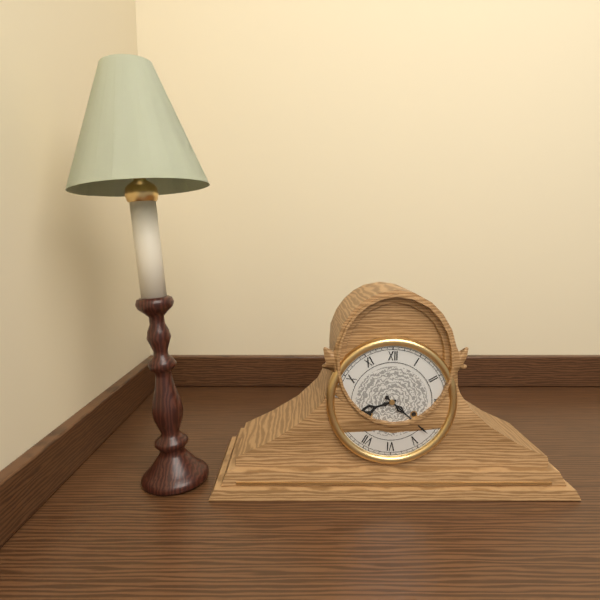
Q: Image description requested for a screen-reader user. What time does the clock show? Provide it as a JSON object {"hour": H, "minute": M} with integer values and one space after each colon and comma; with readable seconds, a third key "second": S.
{"hour": 8, "minute": 22}
